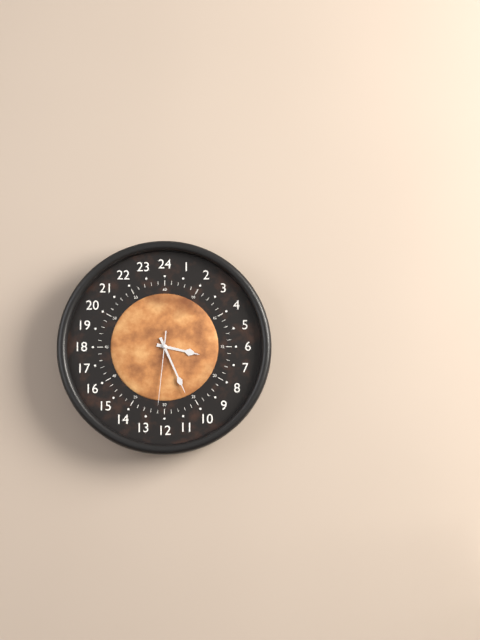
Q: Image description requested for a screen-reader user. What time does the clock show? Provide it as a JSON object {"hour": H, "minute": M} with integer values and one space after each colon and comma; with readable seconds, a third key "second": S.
{"hour": 3, "minute": 26, "second": 31}
